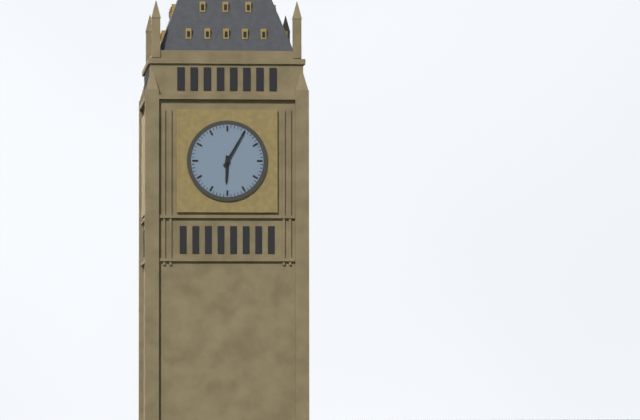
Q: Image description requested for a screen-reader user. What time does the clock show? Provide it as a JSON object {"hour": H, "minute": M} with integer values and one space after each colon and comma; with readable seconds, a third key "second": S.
{"hour": 6, "minute": 5}
